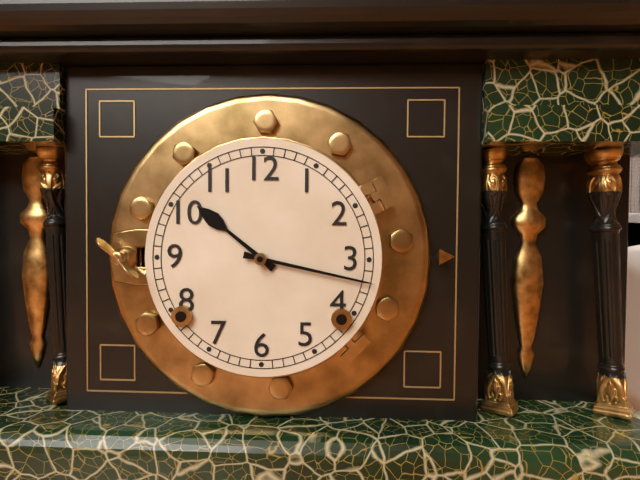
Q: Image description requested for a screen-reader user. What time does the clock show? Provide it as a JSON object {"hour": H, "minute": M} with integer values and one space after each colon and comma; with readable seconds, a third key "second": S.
{"hour": 10, "minute": 17}
